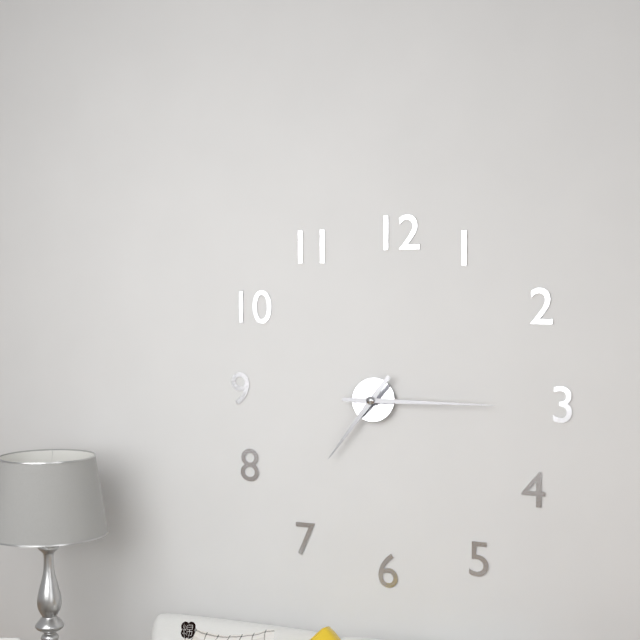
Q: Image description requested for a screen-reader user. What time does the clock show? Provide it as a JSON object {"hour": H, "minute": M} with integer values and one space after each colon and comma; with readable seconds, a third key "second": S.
{"hour": 7, "minute": 15}
